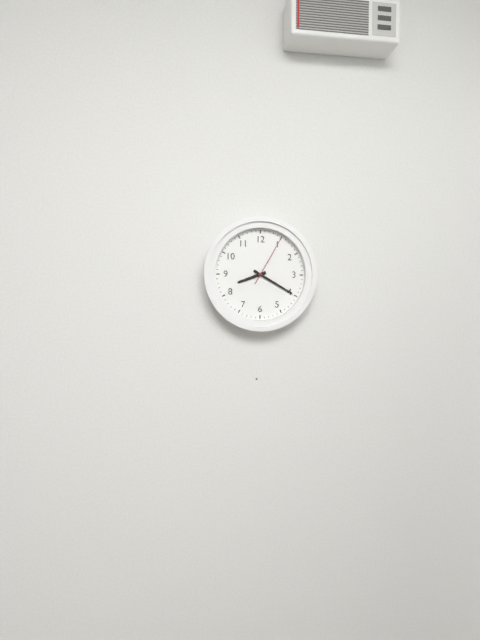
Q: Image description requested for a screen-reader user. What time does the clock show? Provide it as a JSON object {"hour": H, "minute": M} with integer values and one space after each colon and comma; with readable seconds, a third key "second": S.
{"hour": 8, "minute": 20, "second": 5}
